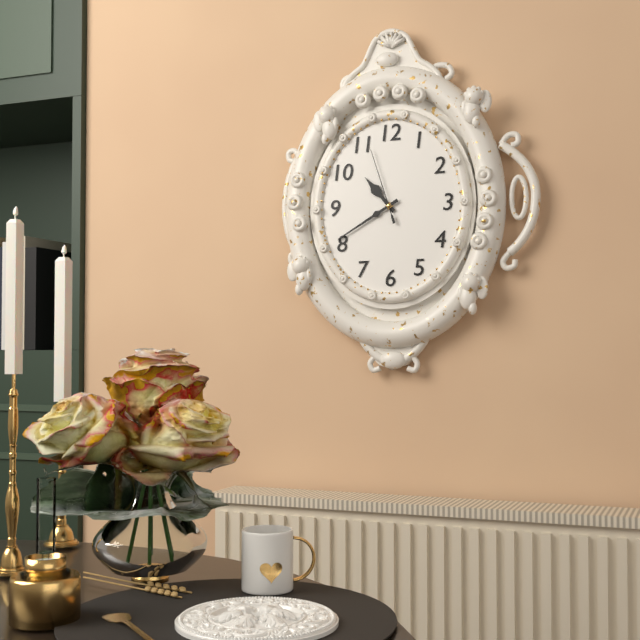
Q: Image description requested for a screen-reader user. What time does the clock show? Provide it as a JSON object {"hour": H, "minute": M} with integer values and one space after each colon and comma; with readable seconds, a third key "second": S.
{"hour": 10, "minute": 40, "second": 57}
